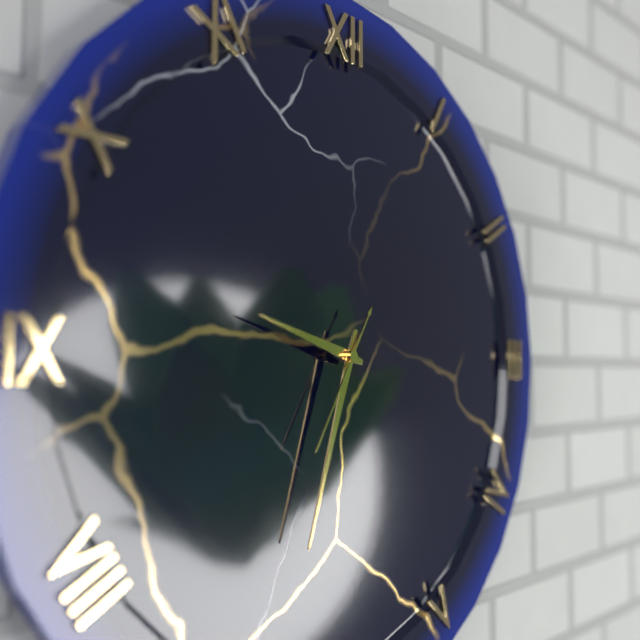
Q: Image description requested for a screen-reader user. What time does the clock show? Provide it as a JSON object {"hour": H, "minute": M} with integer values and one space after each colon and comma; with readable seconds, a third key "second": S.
{"hour": 9, "minute": 33, "second": 35}
